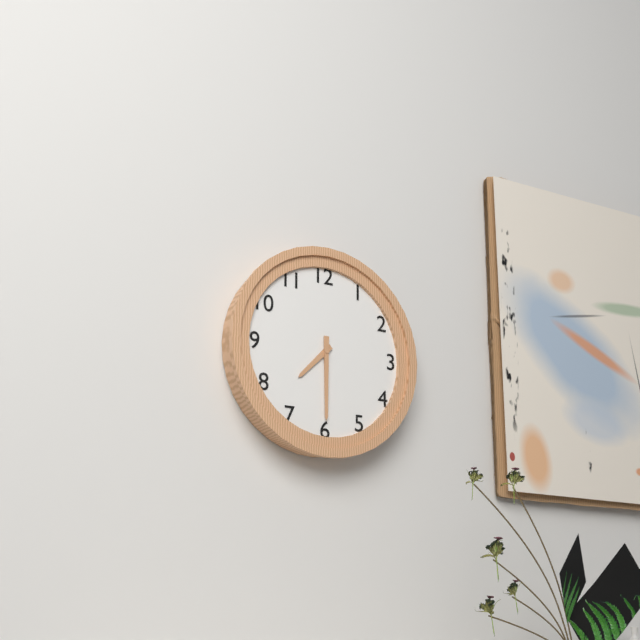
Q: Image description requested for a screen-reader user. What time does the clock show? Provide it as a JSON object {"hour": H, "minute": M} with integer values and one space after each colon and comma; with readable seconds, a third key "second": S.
{"hour": 7, "minute": 30}
